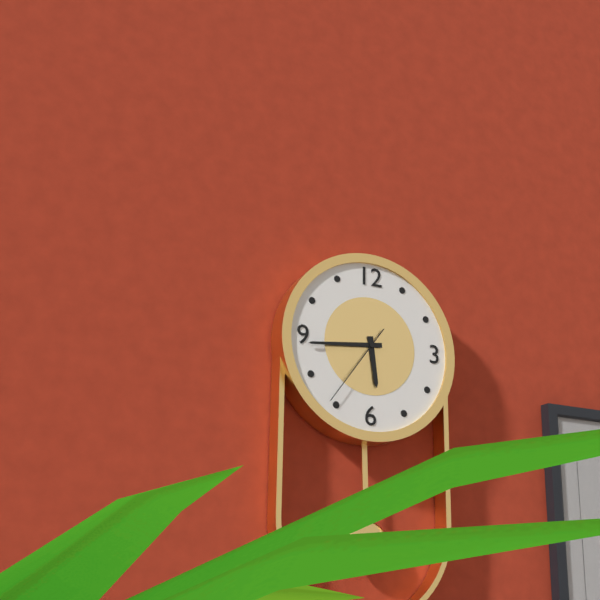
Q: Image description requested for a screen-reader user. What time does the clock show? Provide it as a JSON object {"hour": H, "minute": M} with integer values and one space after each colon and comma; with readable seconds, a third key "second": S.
{"hour": 5, "minute": 44, "second": 36}
